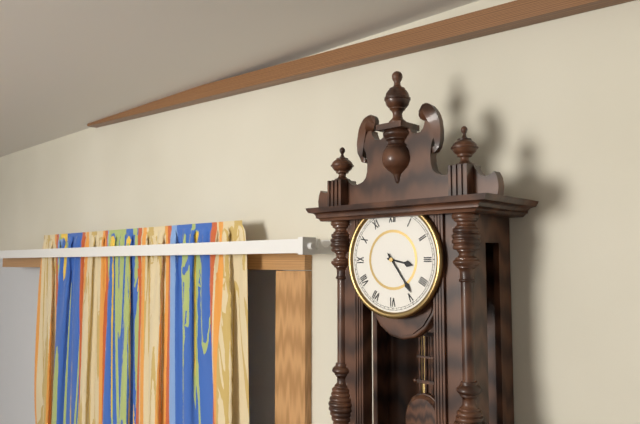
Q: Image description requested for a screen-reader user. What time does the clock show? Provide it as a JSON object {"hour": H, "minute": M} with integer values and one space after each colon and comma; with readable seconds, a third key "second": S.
{"hour": 3, "minute": 24}
